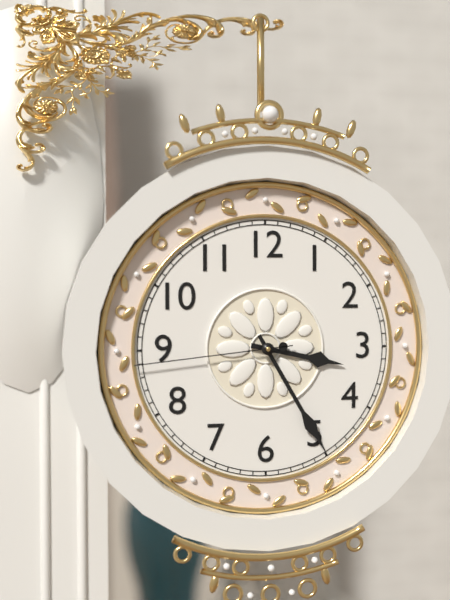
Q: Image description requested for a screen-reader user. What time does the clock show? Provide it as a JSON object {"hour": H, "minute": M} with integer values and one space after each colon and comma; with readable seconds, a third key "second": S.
{"hour": 3, "minute": 25, "second": 44}
